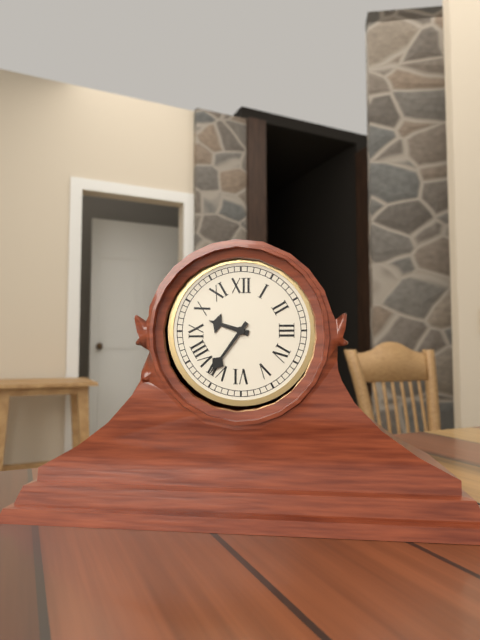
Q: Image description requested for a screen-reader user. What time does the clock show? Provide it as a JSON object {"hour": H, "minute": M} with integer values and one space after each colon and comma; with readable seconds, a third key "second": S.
{"hour": 9, "minute": 36}
